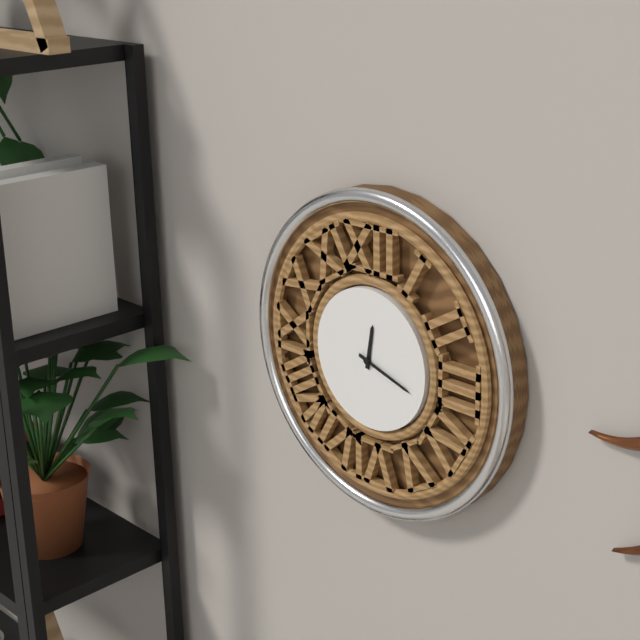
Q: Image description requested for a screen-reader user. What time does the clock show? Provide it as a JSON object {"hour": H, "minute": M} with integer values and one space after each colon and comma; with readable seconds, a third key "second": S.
{"hour": 12, "minute": 18}
